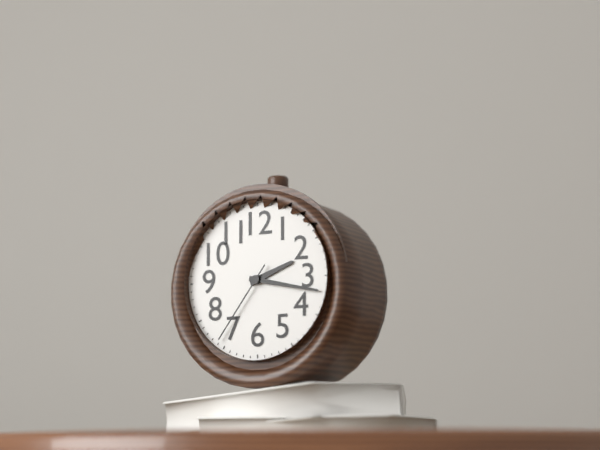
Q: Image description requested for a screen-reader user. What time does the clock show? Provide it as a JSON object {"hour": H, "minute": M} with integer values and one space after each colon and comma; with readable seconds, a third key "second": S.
{"hour": 2, "minute": 17, "second": 36}
